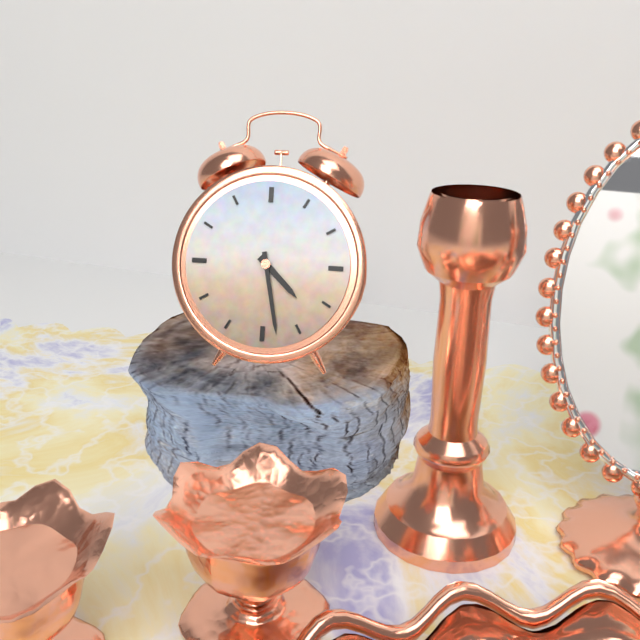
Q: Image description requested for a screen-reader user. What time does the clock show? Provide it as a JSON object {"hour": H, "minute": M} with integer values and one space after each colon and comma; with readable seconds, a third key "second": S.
{"hour": 4, "minute": 28}
